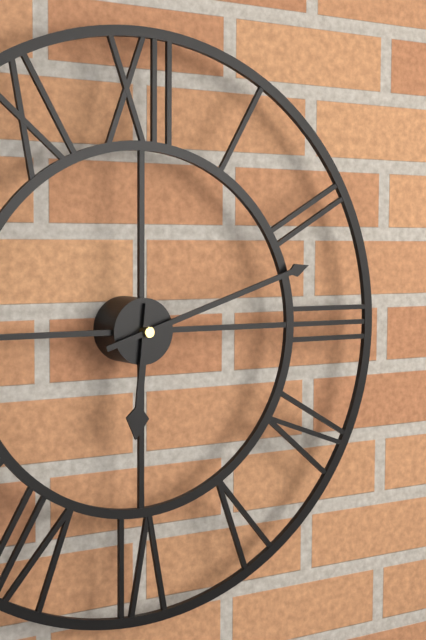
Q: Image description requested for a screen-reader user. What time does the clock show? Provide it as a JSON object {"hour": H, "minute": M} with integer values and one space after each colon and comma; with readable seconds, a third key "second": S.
{"hour": 6, "minute": 12}
